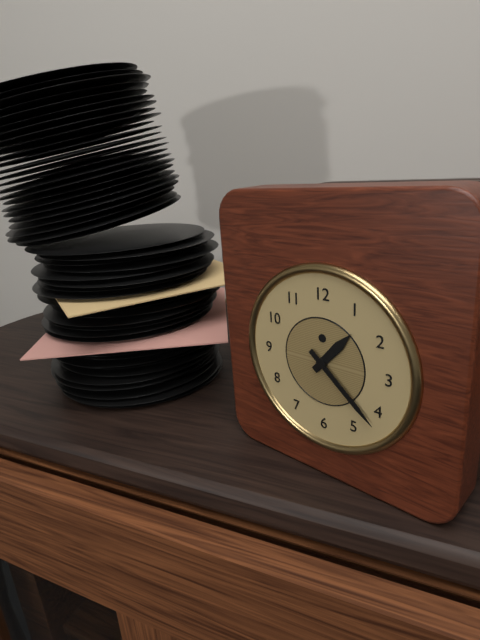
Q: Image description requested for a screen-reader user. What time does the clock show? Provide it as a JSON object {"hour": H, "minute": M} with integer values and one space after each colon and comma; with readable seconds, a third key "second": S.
{"hour": 1, "minute": 22}
